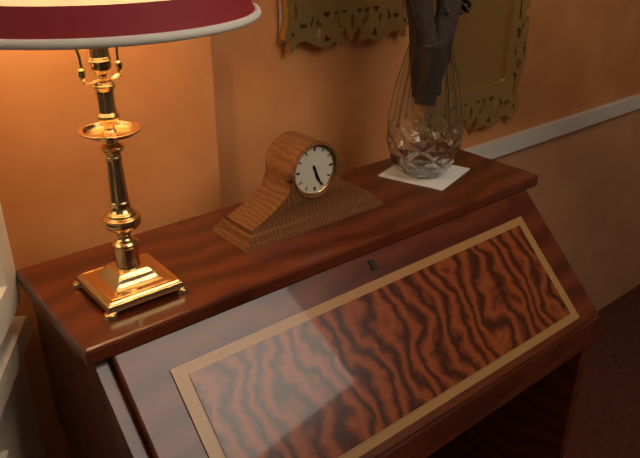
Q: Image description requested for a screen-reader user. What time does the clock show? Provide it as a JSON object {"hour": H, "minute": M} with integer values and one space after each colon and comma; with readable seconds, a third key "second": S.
{"hour": 5, "minute": 26}
